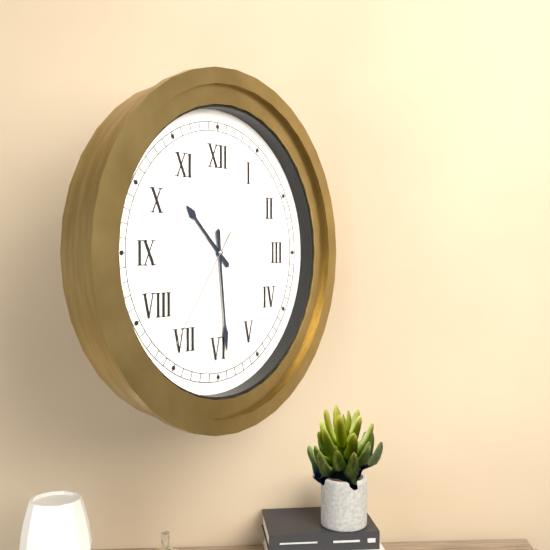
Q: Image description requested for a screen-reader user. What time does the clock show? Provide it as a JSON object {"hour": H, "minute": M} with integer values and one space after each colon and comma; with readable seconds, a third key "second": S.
{"hour": 10, "minute": 29, "second": 36}
